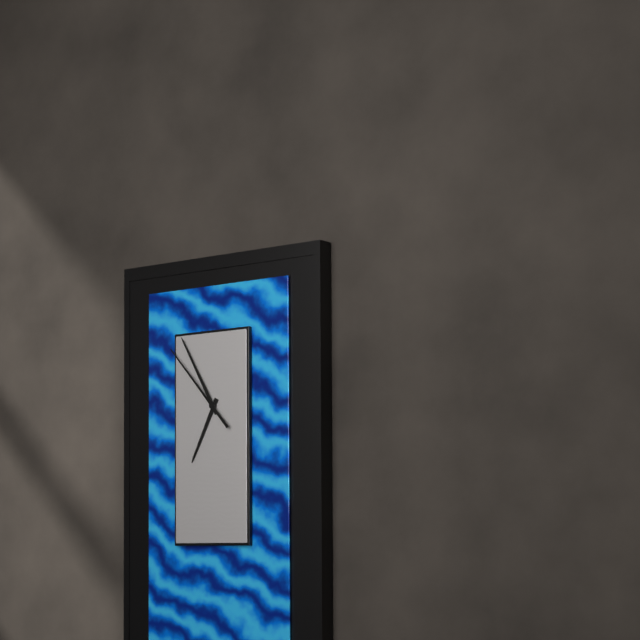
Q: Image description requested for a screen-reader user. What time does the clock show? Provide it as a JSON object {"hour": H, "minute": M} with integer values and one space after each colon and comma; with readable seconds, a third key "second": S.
{"hour": 6, "minute": 55, "second": 53}
